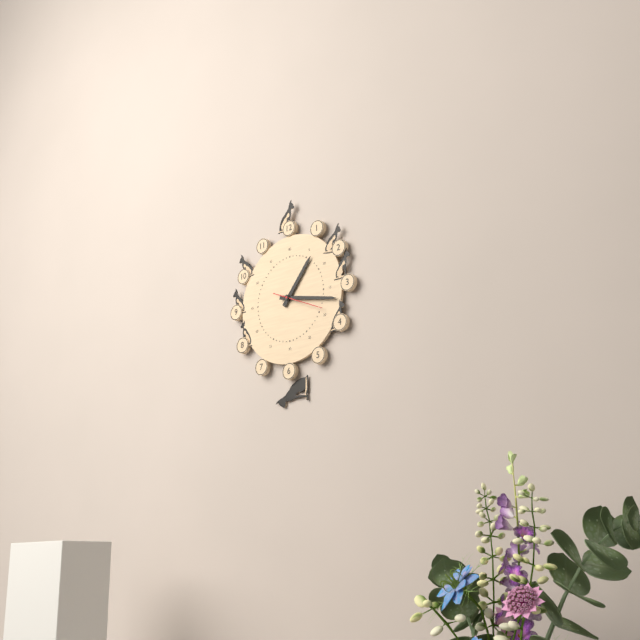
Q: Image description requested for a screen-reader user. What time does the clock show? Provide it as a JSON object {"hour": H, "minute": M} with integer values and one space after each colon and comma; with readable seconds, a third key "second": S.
{"hour": 1, "minute": 17}
